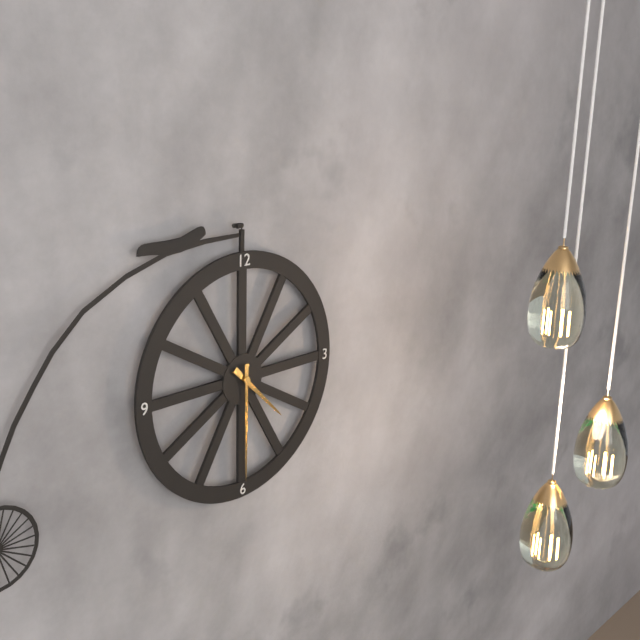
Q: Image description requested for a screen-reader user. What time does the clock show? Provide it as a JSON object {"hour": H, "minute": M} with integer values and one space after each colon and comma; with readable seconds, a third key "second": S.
{"hour": 4, "minute": 30}
